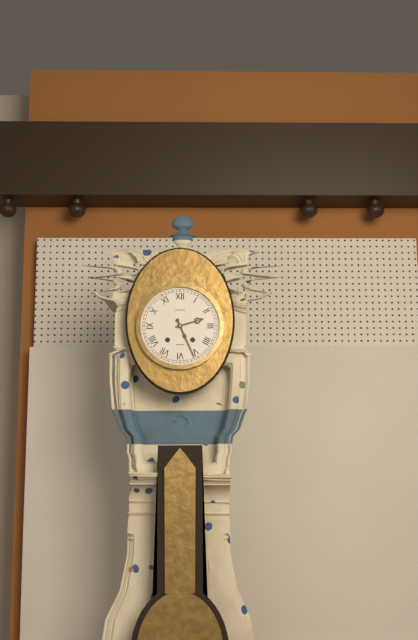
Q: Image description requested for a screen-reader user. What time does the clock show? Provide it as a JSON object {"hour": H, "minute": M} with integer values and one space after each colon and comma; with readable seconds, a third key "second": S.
{"hour": 2, "minute": 26}
